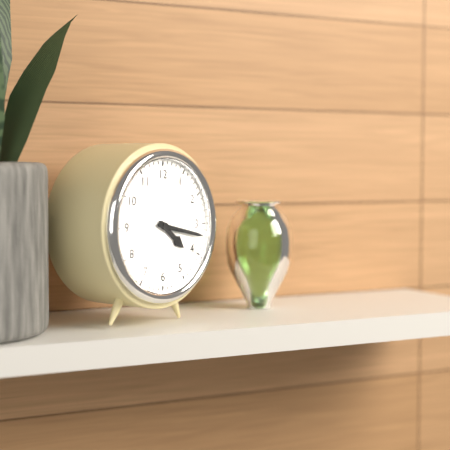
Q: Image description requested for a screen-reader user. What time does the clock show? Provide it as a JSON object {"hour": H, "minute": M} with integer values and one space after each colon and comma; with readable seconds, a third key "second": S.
{"hour": 4, "minute": 17}
